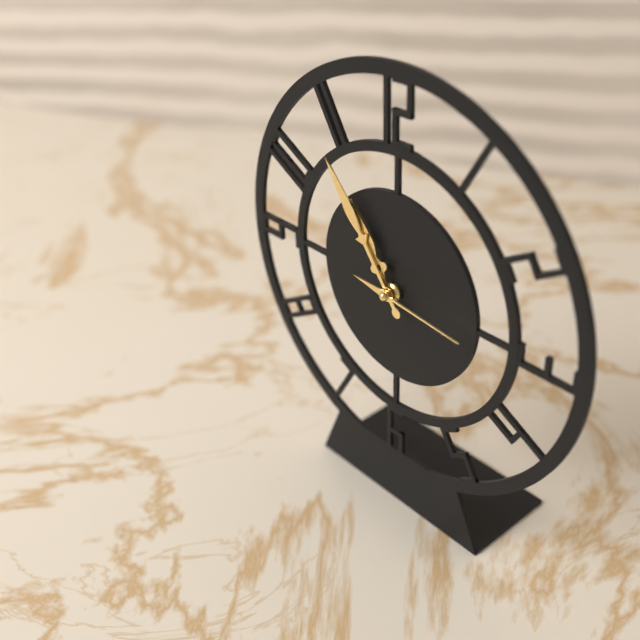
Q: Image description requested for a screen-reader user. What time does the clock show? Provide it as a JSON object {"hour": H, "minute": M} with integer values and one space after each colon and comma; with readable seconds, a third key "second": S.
{"hour": 10, "minute": 54, "second": 16}
